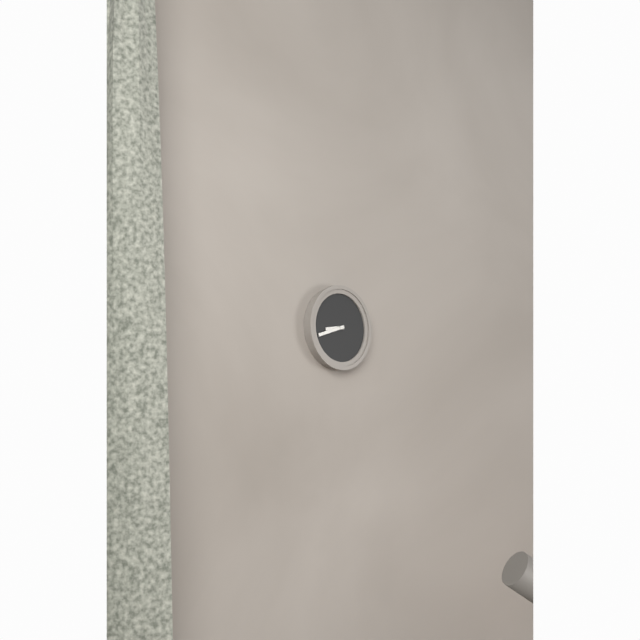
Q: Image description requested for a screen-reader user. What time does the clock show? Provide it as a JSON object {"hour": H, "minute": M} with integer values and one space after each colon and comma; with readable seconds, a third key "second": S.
{"hour": 8, "minute": 42}
